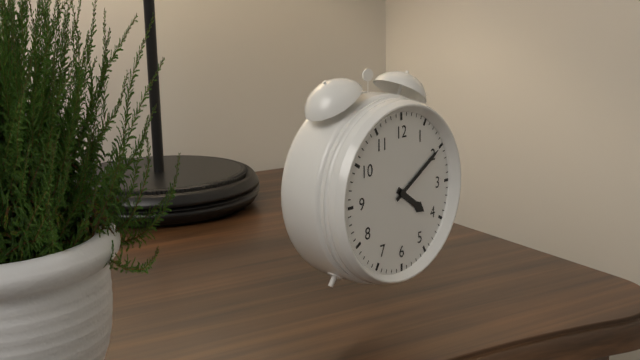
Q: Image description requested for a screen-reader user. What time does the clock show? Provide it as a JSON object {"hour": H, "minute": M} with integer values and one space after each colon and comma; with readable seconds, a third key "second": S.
{"hour": 4, "minute": 10}
